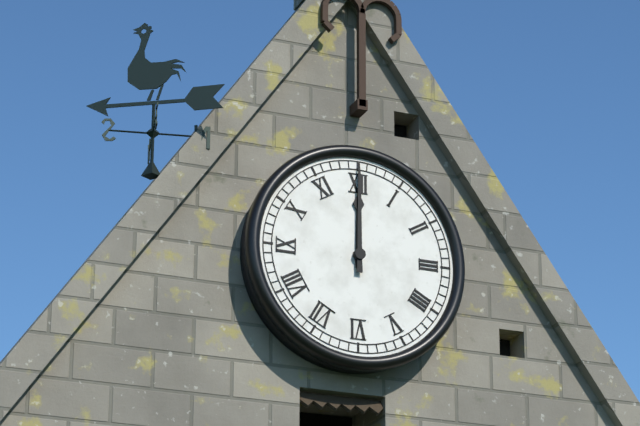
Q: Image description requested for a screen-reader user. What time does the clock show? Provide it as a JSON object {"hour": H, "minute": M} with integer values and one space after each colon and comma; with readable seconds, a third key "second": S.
{"hour": 12, "minute": 0}
